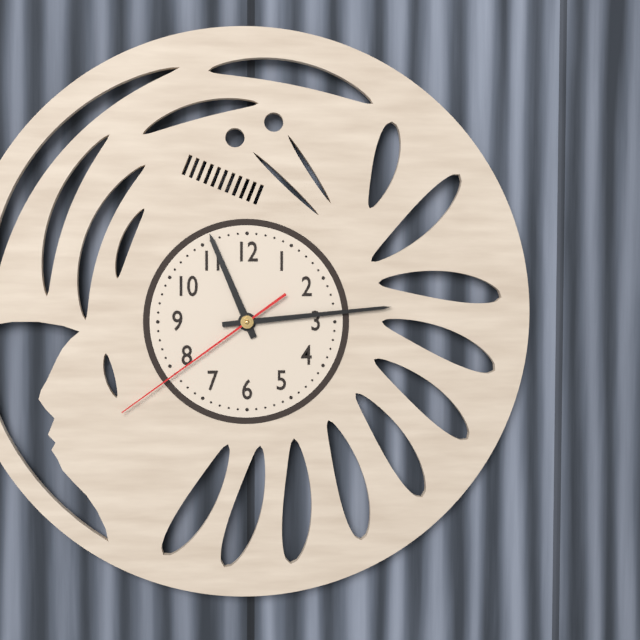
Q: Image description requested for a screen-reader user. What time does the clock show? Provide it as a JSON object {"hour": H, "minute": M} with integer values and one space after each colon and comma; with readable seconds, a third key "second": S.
{"hour": 11, "minute": 14, "second": 39}
